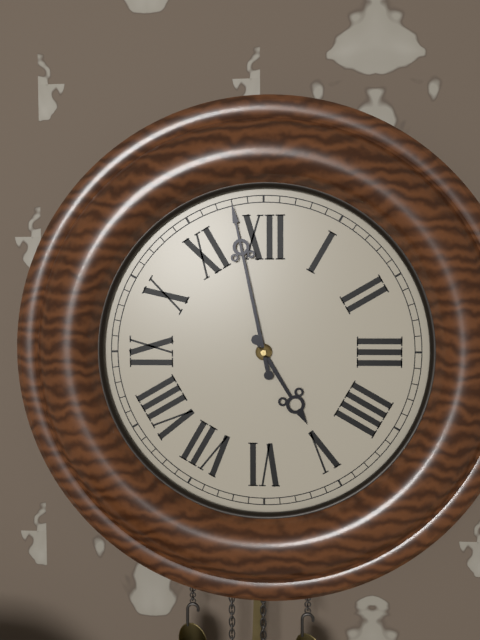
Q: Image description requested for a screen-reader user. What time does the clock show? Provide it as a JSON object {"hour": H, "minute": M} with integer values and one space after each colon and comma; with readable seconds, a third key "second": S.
{"hour": 4, "minute": 58}
